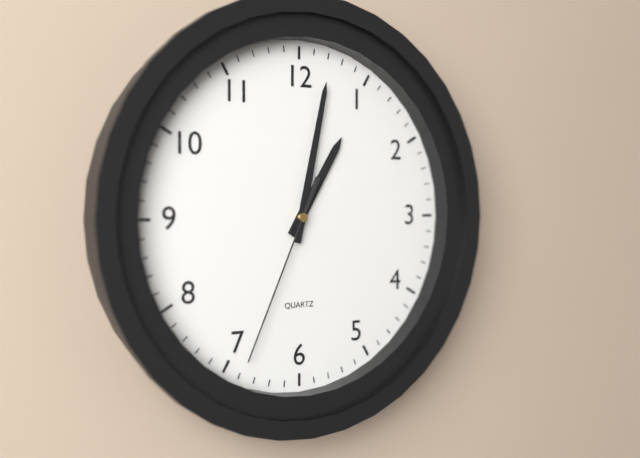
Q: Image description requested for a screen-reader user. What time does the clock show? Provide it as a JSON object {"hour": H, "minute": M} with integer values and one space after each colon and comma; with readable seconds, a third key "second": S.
{"hour": 1, "minute": 2, "second": 34}
